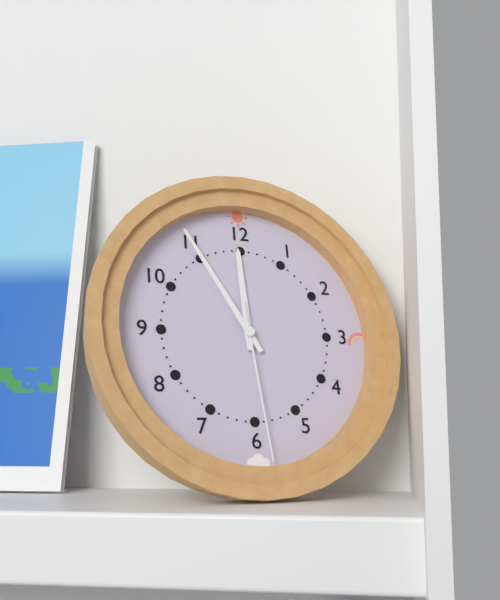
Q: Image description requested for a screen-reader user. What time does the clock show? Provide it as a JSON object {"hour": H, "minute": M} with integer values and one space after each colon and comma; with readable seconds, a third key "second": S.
{"hour": 11, "minute": 55, "second": 29}
